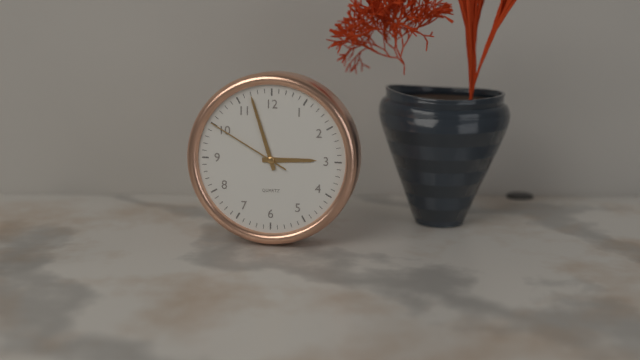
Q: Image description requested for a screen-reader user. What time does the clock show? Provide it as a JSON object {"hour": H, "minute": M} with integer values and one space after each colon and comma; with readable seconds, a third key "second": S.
{"hour": 2, "minute": 57, "second": 50}
